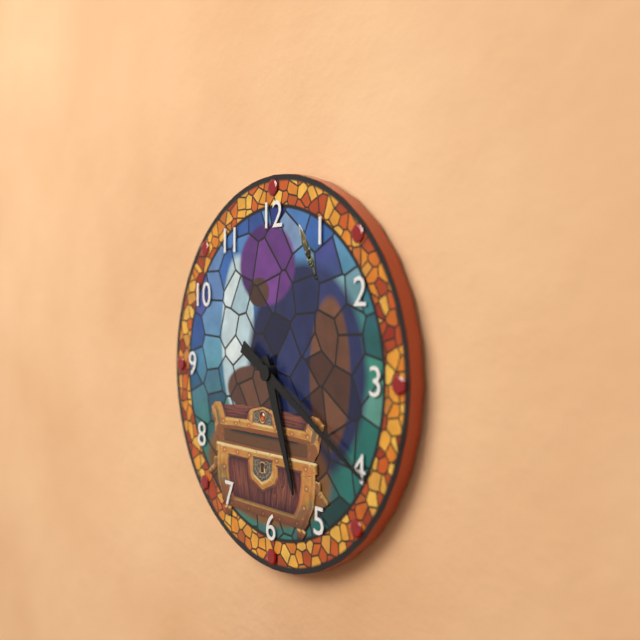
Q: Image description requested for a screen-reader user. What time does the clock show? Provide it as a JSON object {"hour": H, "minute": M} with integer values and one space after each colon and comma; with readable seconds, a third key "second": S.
{"hour": 5, "minute": 20}
